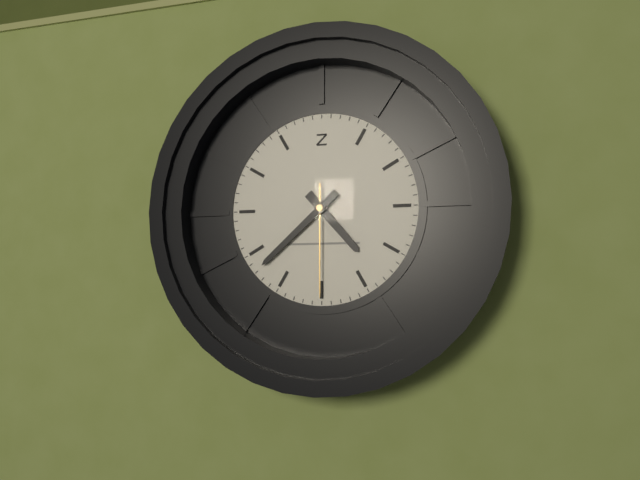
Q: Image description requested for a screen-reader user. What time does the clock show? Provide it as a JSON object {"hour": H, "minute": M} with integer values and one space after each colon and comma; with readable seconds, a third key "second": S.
{"hour": 4, "minute": 38, "second": 30}
